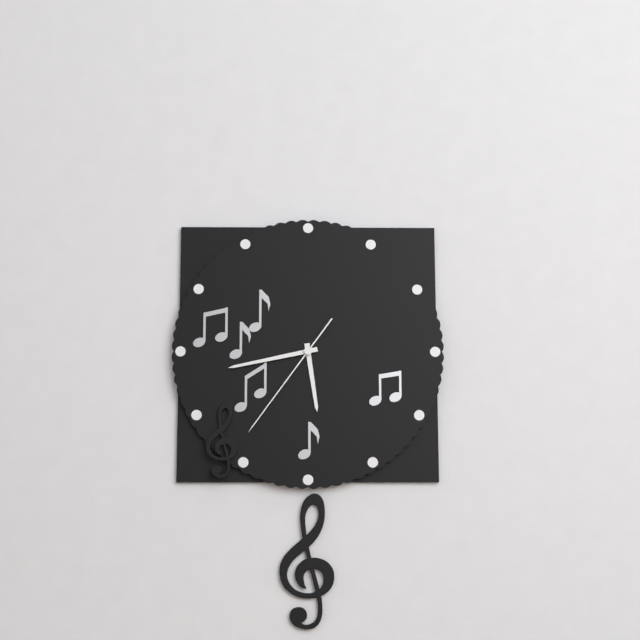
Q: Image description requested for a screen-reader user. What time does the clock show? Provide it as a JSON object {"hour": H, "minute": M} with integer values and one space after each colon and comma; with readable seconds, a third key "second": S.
{"hour": 5, "minute": 43, "second": 36}
